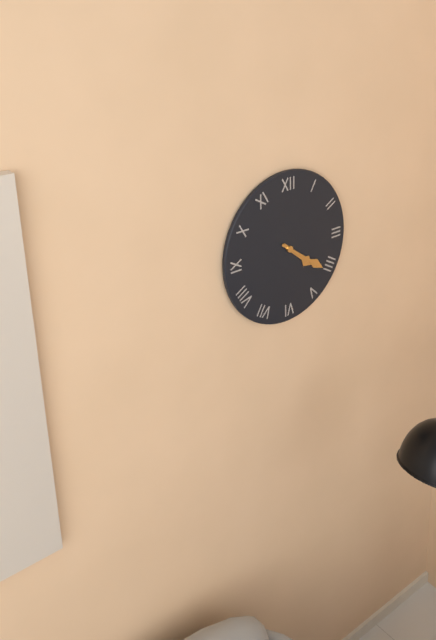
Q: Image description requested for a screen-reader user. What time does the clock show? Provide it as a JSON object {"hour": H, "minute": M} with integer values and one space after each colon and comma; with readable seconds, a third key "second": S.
{"hour": 4, "minute": 21}
